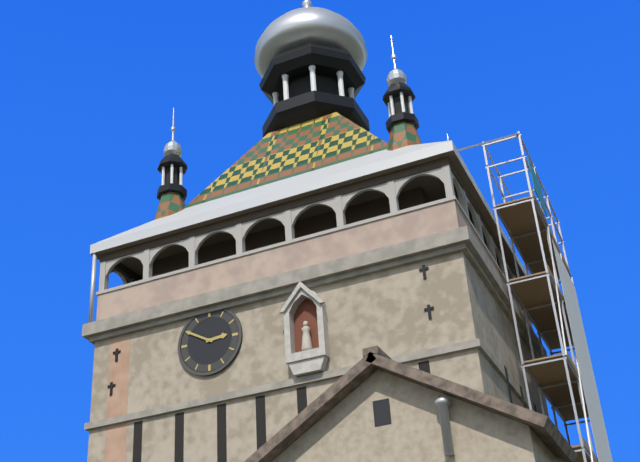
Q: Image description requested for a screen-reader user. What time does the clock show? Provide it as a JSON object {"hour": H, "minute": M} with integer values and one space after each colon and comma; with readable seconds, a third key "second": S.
{"hour": 2, "minute": 50}
